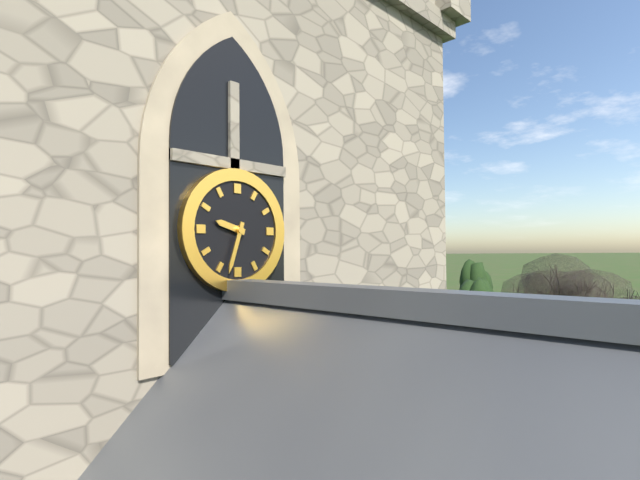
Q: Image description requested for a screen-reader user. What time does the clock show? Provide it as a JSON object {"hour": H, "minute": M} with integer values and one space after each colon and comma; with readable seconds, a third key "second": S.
{"hour": 9, "minute": 33}
